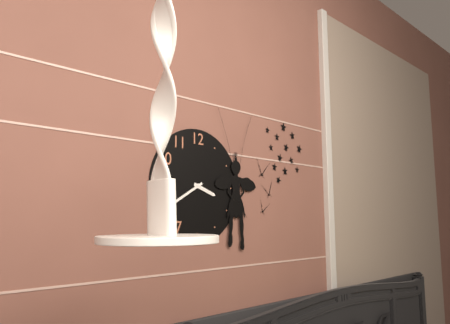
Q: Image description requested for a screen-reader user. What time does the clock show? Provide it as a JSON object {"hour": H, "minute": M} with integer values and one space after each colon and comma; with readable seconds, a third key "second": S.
{"hour": 3, "minute": 40}
